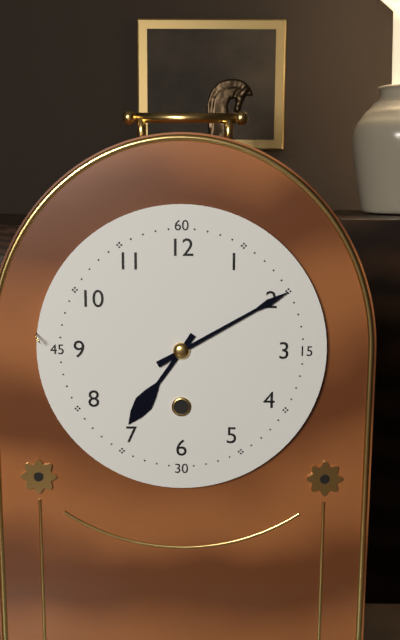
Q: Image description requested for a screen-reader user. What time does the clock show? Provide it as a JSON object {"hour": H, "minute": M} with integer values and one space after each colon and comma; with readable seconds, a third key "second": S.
{"hour": 7, "minute": 10}
